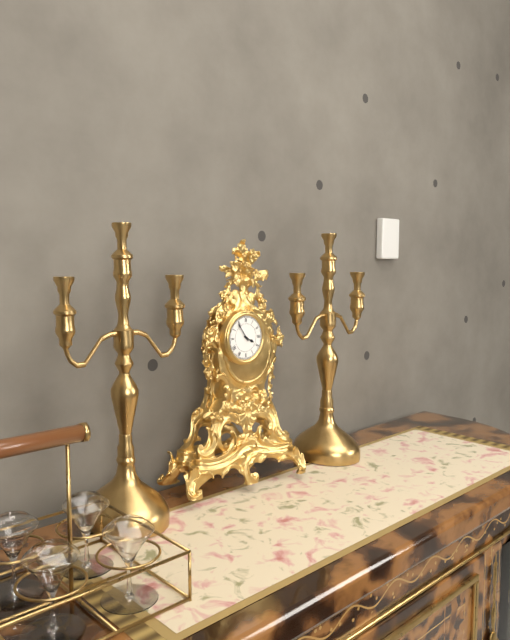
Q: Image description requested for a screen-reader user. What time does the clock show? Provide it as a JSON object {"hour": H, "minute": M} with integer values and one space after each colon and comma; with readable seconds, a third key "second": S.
{"hour": 3, "minute": 54}
